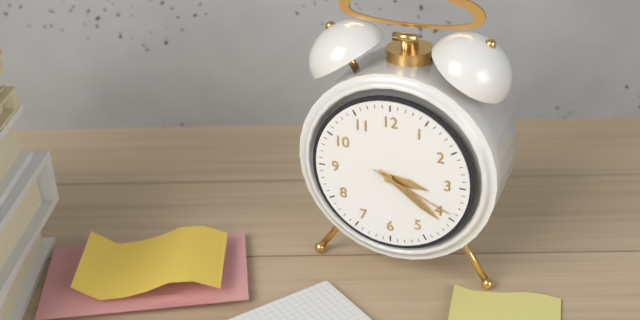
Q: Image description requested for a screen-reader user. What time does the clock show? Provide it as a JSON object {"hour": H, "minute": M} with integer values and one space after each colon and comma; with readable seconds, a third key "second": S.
{"hour": 3, "minute": 21, "second": 19}
